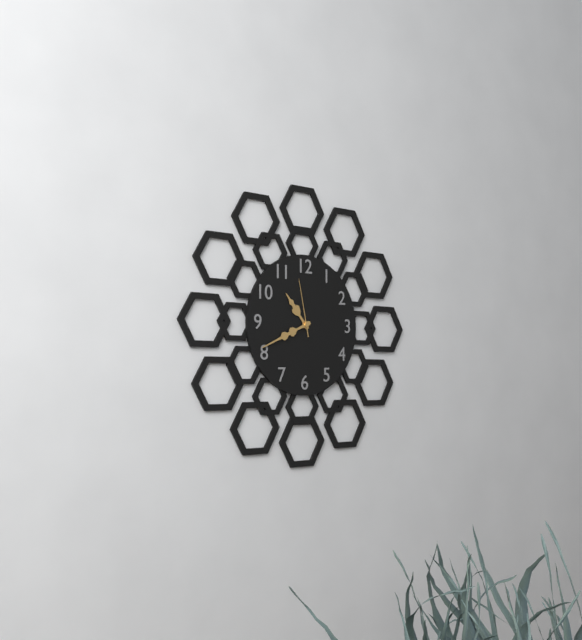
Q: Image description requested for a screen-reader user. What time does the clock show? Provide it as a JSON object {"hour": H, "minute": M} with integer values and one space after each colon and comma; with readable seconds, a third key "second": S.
{"hour": 10, "minute": 41, "second": 58}
